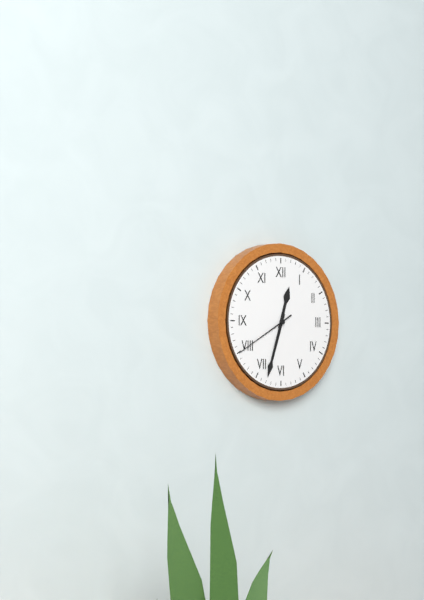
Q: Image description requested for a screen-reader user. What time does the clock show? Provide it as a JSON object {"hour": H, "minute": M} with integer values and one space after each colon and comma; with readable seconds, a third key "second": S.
{"hour": 12, "minute": 33, "second": 40}
